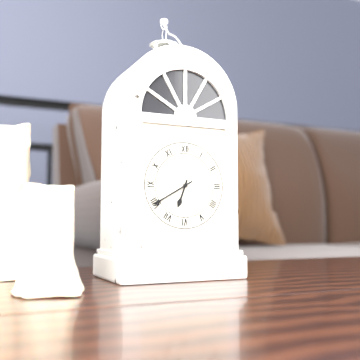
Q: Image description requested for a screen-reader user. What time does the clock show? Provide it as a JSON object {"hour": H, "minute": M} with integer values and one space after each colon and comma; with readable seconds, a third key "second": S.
{"hour": 6, "minute": 40}
